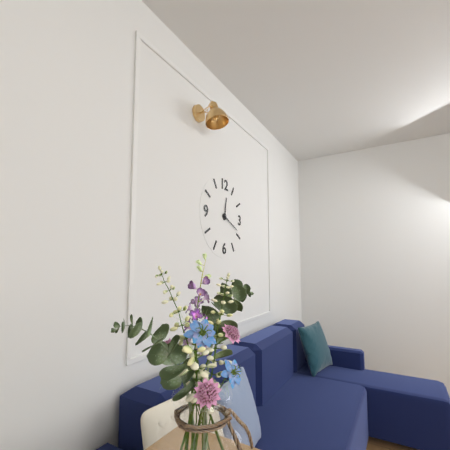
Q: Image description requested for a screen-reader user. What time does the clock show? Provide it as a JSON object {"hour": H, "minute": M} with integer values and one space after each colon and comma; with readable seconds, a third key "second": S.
{"hour": 12, "minute": 19}
